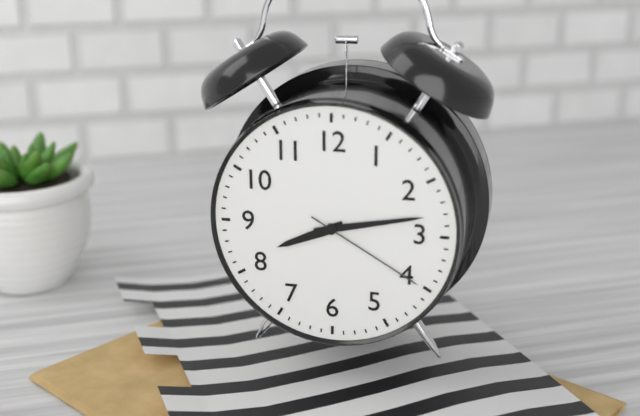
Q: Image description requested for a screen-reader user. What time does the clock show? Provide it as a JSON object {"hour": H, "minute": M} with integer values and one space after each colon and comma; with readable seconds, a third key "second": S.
{"hour": 8, "minute": 13, "second": 20}
